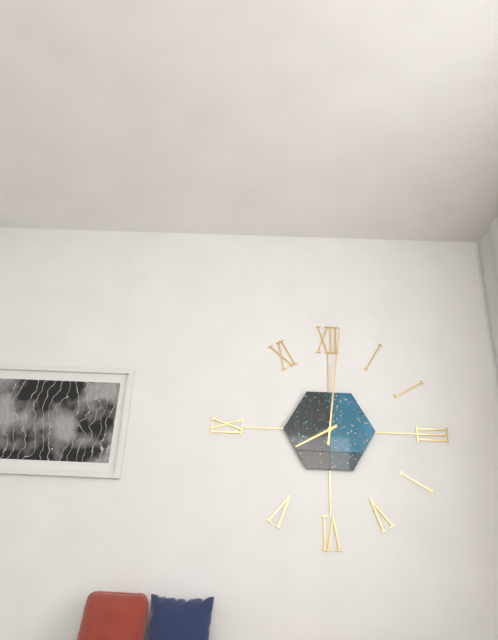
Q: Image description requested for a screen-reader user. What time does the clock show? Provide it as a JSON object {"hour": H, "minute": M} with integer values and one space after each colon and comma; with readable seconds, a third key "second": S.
{"hour": 8, "minute": 1}
